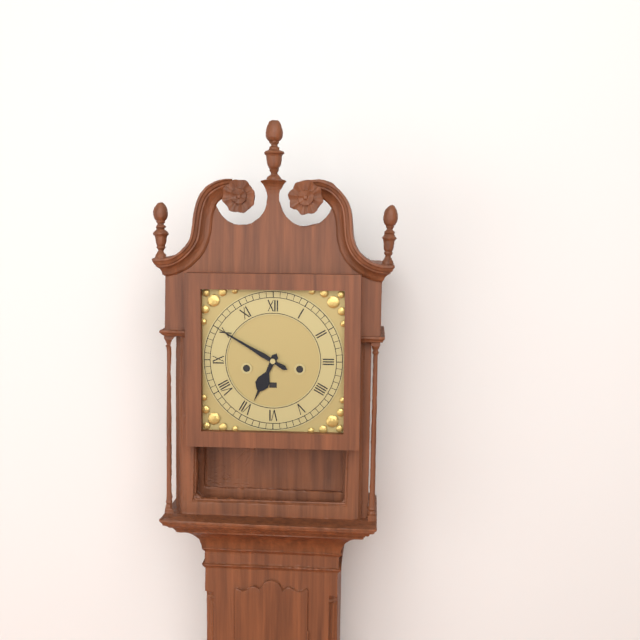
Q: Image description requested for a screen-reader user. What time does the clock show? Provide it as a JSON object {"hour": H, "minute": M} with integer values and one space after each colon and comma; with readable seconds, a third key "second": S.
{"hour": 6, "minute": 50}
